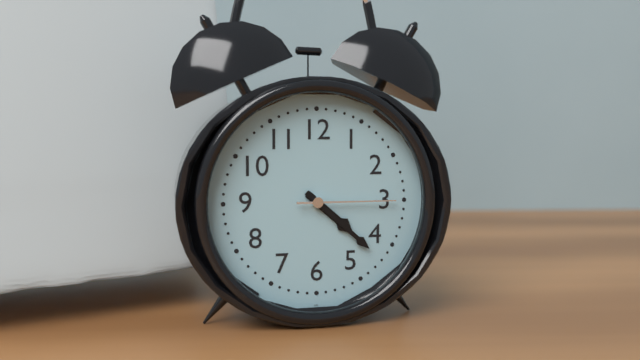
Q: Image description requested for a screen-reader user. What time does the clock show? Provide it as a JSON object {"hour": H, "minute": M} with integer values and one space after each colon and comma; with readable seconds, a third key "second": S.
{"hour": 4, "minute": 22, "second": 15}
